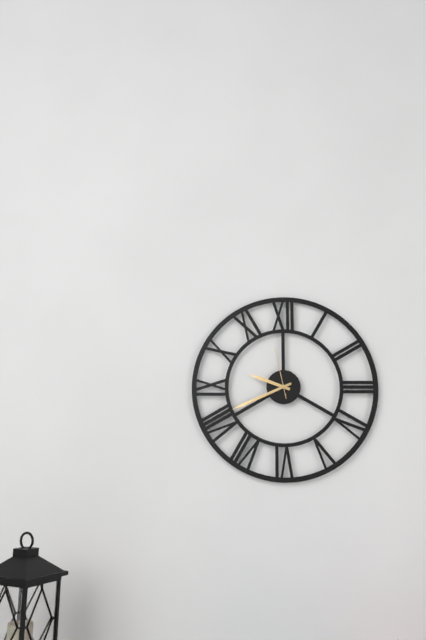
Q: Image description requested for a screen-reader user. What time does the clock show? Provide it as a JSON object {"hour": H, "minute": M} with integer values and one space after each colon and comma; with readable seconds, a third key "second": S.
{"hour": 9, "minute": 41, "second": 58}
